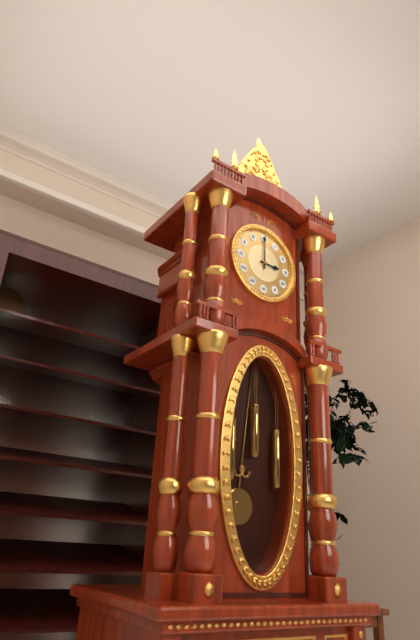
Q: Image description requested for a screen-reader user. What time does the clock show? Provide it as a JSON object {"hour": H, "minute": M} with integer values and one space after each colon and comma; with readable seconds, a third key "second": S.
{"hour": 3, "minute": 0}
